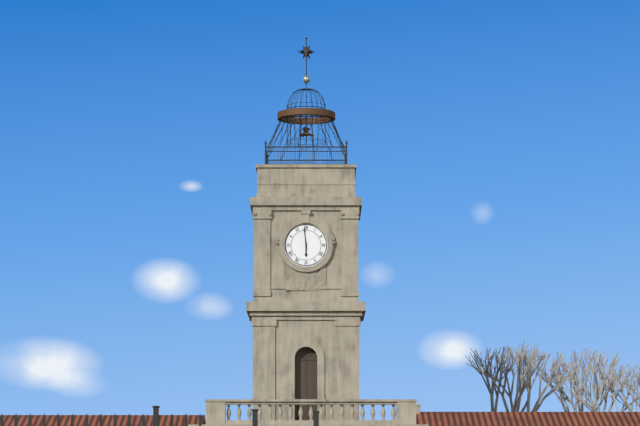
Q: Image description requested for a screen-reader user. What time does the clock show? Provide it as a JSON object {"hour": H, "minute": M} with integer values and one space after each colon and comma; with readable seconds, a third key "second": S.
{"hour": 5, "minute": 59}
